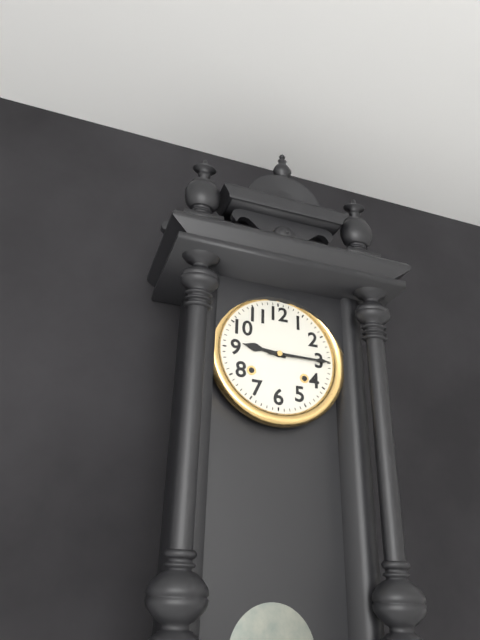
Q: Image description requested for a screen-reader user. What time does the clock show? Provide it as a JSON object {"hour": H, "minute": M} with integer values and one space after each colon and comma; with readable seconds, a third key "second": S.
{"hour": 9, "minute": 15}
